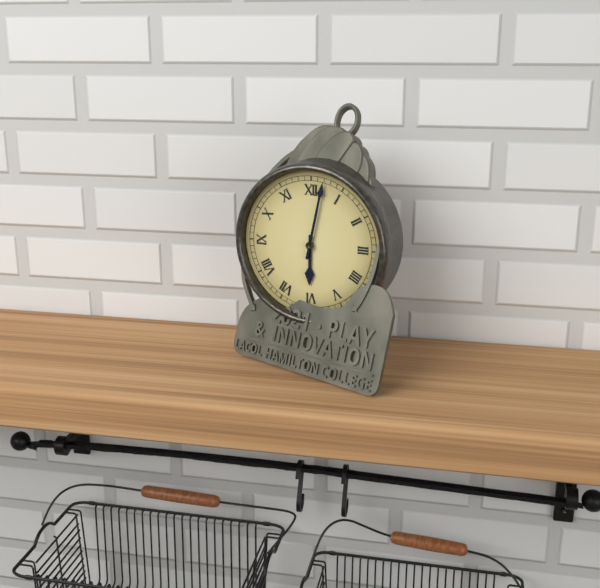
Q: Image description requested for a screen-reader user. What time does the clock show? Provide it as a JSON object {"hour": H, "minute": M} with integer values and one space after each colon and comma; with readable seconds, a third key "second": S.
{"hour": 6, "minute": 2}
